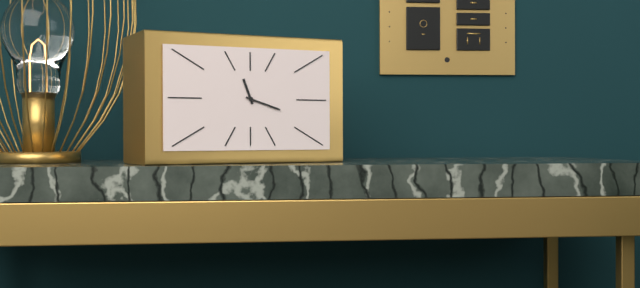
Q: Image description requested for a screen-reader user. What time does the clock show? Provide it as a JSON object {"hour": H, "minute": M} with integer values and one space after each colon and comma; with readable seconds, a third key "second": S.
{"hour": 11, "minute": 18}
